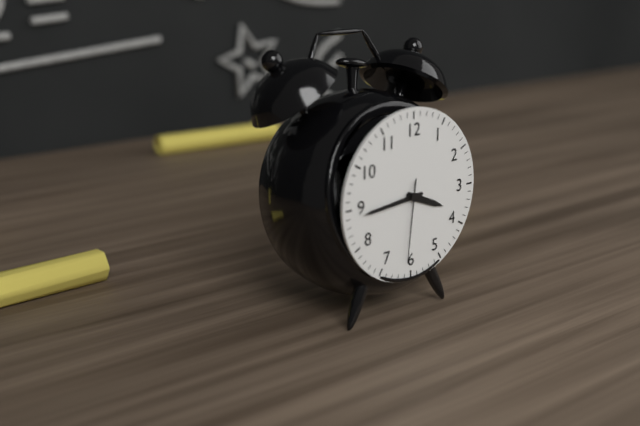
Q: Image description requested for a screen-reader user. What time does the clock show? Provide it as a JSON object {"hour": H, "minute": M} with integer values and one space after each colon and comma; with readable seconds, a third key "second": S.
{"hour": 3, "minute": 44, "second": 31}
